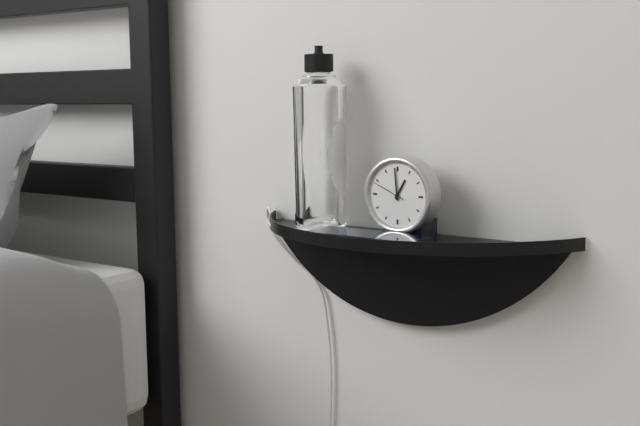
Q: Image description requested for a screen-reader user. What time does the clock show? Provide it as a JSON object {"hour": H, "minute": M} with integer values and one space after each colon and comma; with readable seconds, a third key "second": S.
{"hour": 12, "minute": 59}
